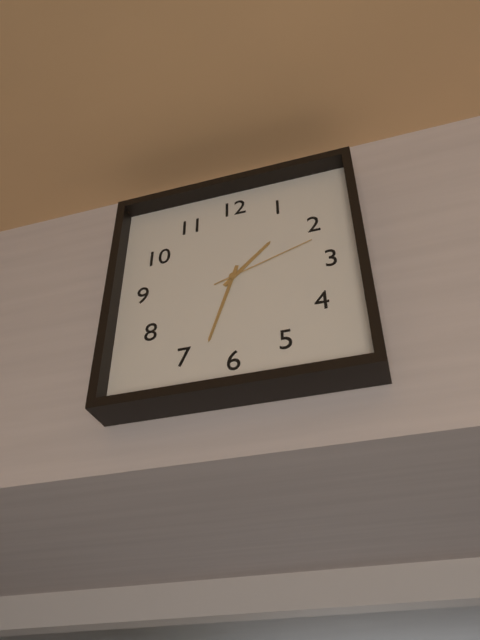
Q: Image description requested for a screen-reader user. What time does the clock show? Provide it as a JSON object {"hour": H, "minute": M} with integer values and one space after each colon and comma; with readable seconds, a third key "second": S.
{"hour": 1, "minute": 33, "second": 12}
